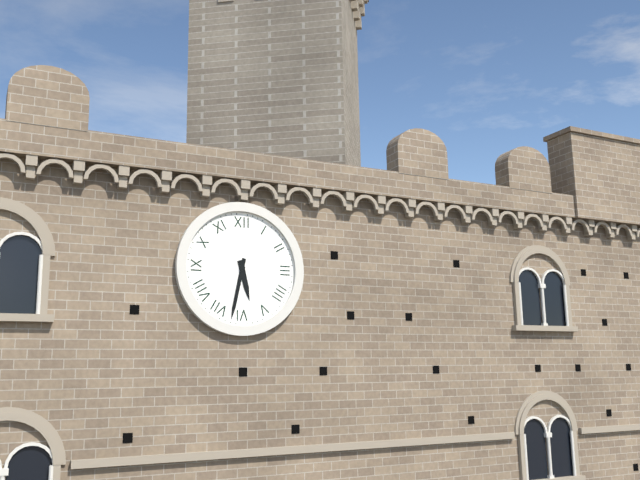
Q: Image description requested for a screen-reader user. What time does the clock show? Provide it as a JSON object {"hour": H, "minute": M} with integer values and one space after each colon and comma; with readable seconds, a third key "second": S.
{"hour": 5, "minute": 32}
